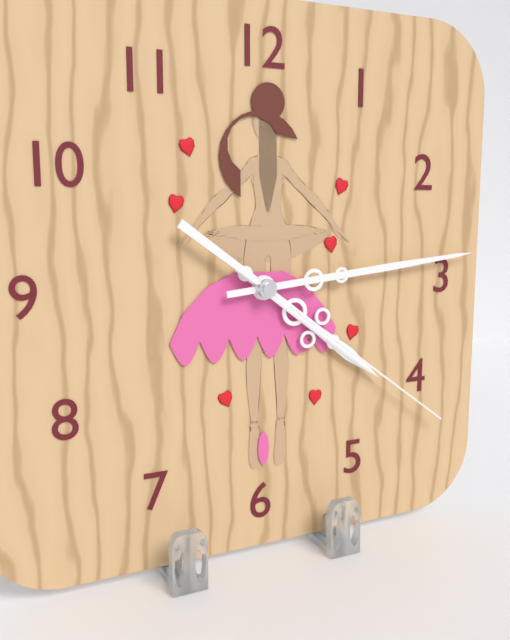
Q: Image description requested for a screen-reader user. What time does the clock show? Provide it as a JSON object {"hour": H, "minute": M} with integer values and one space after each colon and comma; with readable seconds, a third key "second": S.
{"hour": 4, "minute": 14, "second": 21}
